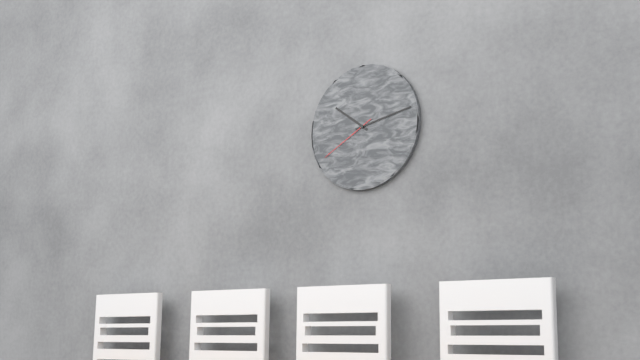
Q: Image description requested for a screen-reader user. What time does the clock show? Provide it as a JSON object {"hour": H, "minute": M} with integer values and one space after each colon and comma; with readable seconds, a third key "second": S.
{"hour": 10, "minute": 13, "second": 40}
